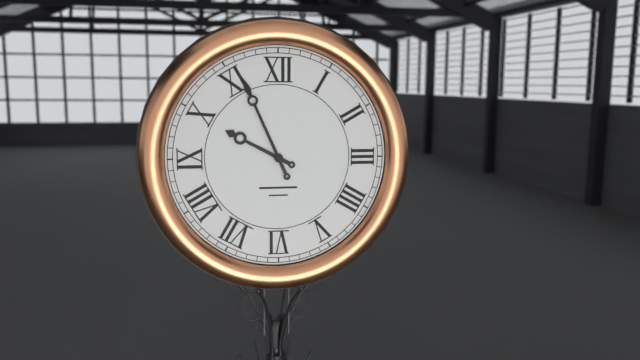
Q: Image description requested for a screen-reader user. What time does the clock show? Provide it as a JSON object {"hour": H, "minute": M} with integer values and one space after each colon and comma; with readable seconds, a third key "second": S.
{"hour": 9, "minute": 56}
